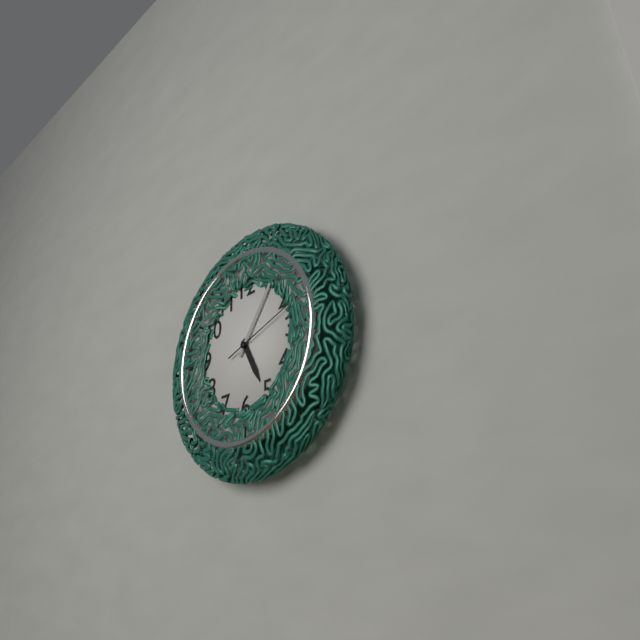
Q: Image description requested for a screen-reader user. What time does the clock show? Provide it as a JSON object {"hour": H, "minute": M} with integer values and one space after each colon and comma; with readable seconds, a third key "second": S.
{"hour": 5, "minute": 6, "second": 12}
